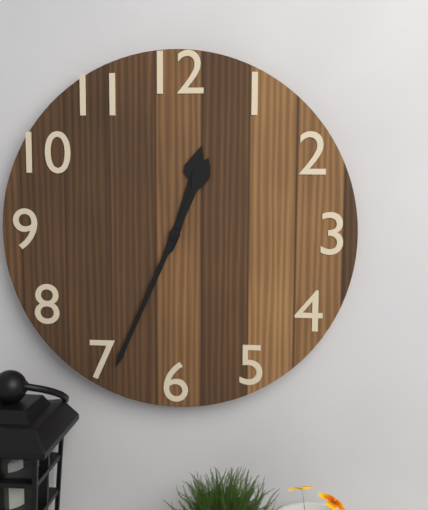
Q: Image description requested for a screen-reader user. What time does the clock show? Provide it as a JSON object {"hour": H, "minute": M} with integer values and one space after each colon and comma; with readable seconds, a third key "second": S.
{"hour": 12, "minute": 34}
